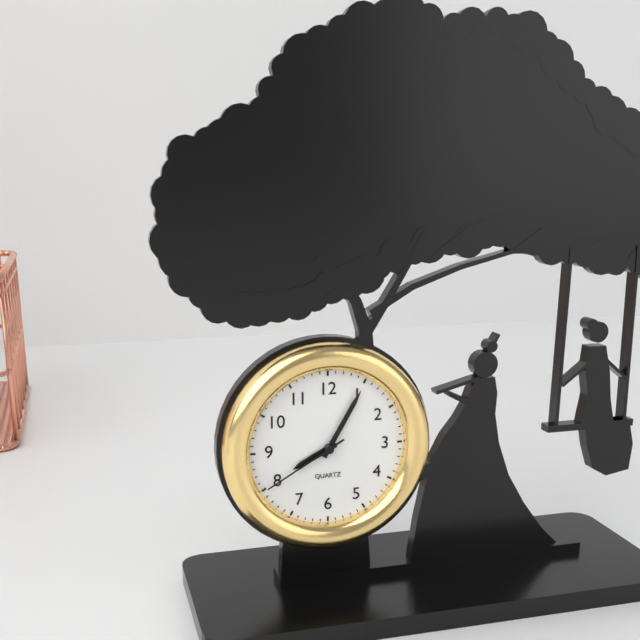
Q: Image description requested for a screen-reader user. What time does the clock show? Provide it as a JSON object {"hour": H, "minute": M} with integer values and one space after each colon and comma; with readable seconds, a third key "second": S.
{"hour": 8, "minute": 5, "second": 40}
